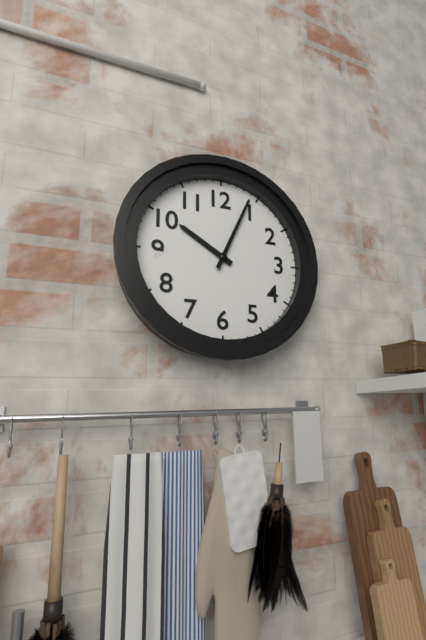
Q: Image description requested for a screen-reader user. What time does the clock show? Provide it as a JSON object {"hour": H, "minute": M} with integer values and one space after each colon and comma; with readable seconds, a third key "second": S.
{"hour": 10, "minute": 4}
